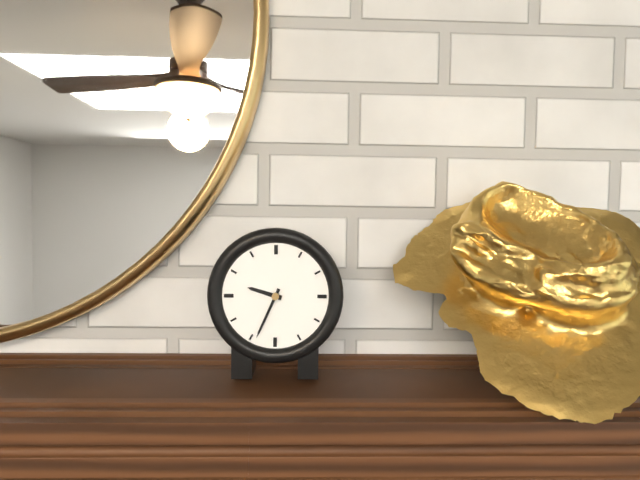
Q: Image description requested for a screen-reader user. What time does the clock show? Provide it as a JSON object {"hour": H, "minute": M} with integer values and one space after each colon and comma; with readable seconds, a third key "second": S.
{"hour": 9, "minute": 34}
